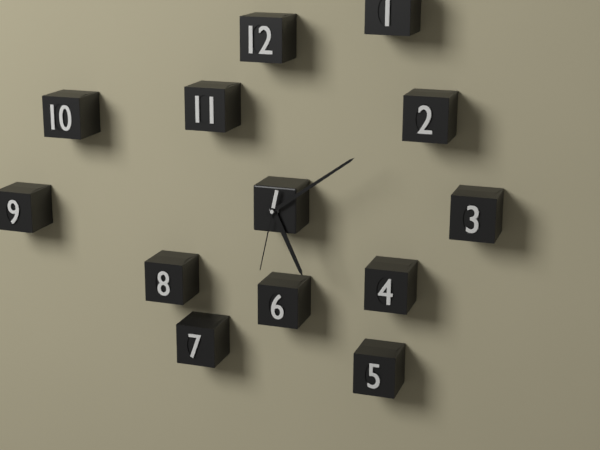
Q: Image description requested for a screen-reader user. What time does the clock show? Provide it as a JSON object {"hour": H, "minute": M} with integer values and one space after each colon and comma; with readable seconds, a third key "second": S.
{"hour": 5, "minute": 9, "second": 32}
